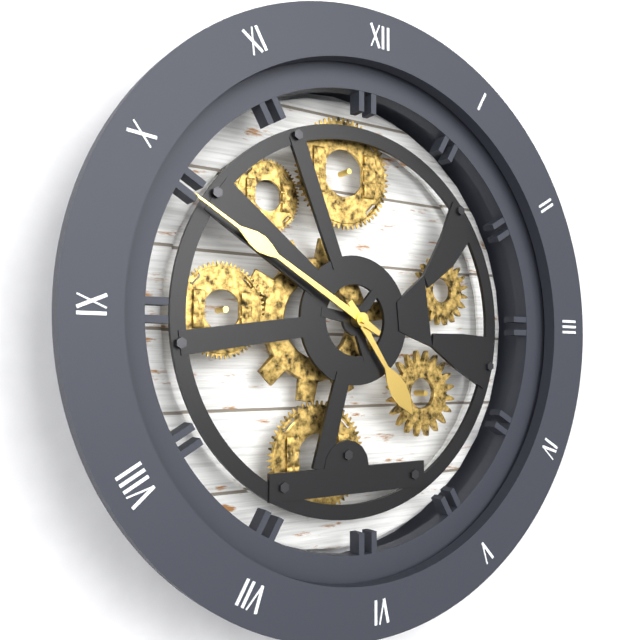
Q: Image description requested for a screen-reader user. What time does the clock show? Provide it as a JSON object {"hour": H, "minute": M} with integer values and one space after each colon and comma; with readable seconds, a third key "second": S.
{"hour": 4, "minute": 50}
